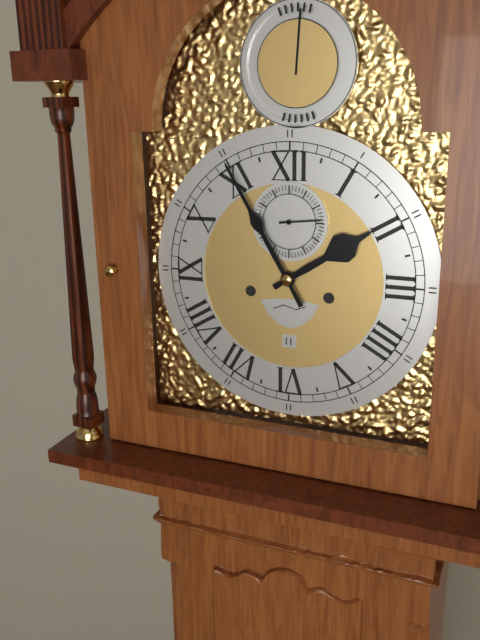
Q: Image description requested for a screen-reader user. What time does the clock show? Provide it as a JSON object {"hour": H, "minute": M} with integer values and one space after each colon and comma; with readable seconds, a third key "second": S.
{"hour": 1, "minute": 55}
